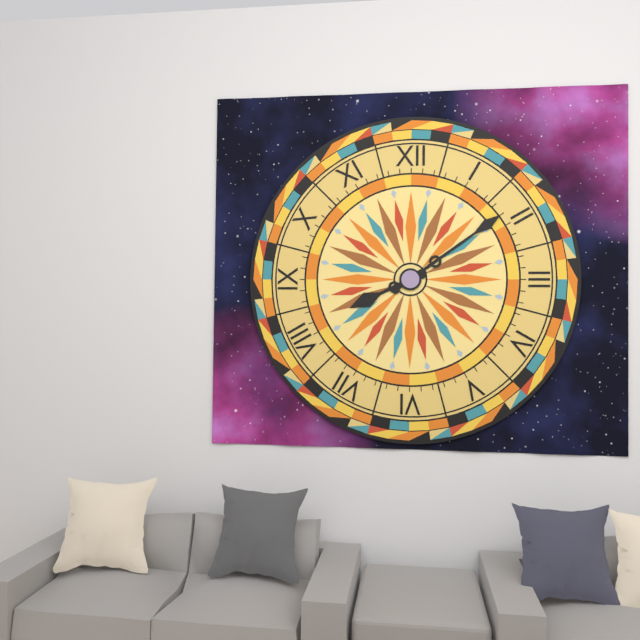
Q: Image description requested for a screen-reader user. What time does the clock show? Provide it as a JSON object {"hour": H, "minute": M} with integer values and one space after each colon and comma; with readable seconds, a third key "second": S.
{"hour": 8, "minute": 9}
